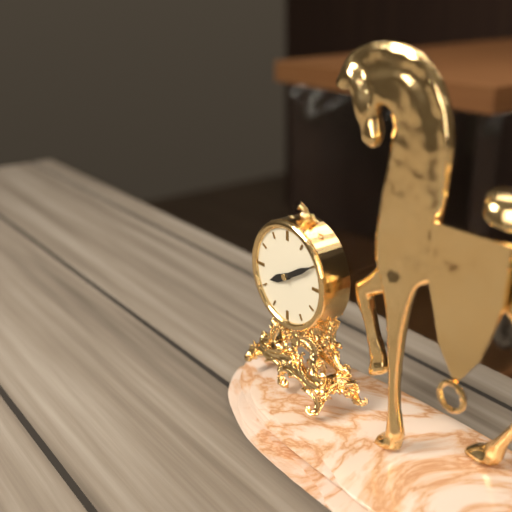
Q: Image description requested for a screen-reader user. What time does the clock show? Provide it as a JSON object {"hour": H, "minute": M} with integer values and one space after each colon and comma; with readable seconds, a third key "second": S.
{"hour": 8, "minute": 10}
